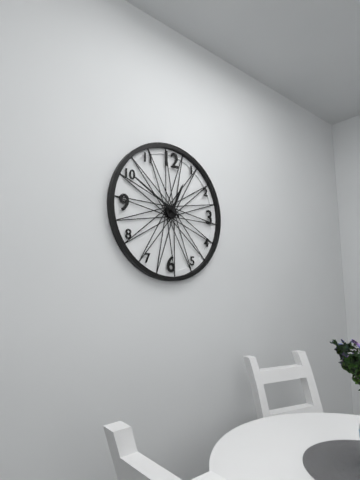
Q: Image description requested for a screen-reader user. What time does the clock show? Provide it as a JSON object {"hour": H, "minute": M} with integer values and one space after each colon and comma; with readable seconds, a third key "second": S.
{"hour": 12, "minute": 50}
